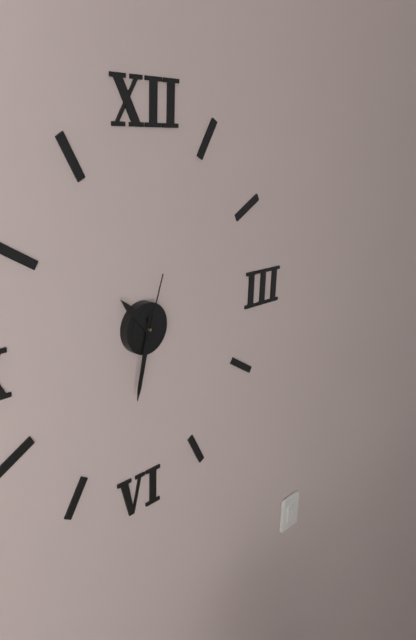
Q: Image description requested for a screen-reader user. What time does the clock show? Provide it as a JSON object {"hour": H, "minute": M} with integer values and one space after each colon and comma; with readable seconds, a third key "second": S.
{"hour": 10, "minute": 32, "second": 3}
